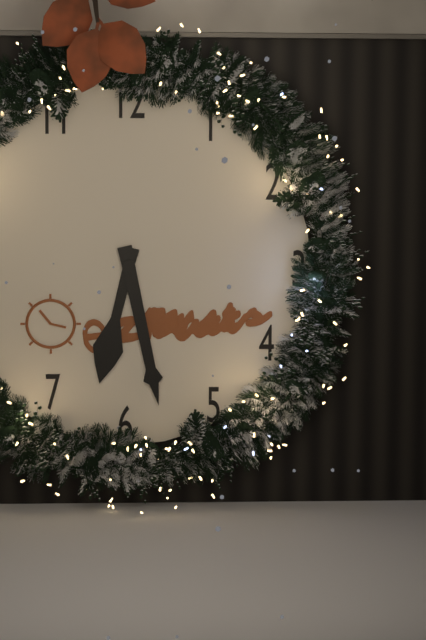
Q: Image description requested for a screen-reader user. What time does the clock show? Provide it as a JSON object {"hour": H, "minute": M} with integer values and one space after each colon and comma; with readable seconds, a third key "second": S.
{"hour": 6, "minute": 28}
